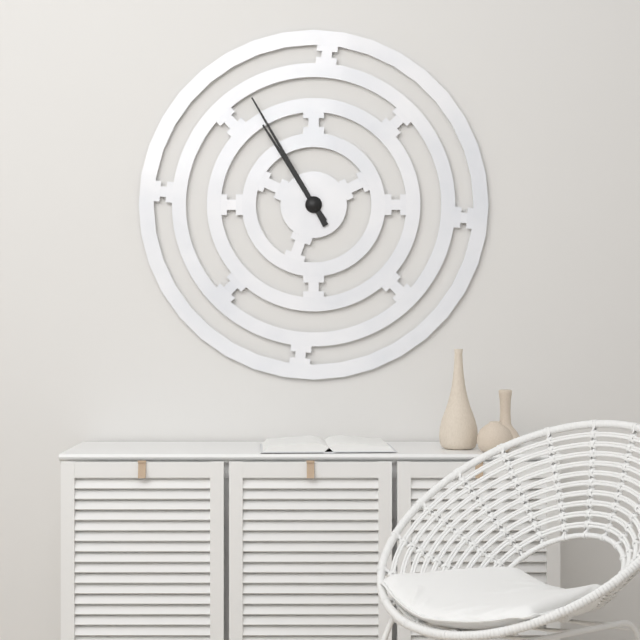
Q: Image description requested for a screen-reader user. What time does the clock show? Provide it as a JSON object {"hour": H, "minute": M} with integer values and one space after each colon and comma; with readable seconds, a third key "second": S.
{"hour": 10, "minute": 55}
